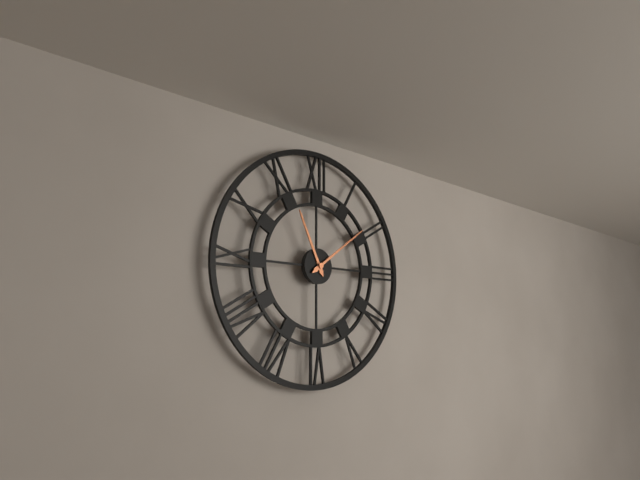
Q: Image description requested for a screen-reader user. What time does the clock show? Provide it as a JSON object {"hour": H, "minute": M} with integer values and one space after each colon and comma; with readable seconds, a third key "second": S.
{"hour": 11, "minute": 9}
